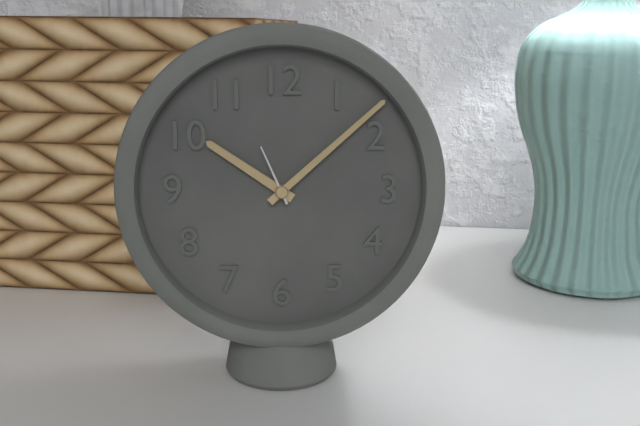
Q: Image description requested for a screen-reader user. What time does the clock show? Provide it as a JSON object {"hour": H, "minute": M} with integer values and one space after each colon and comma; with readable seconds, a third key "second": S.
{"hour": 10, "minute": 8, "second": 56}
